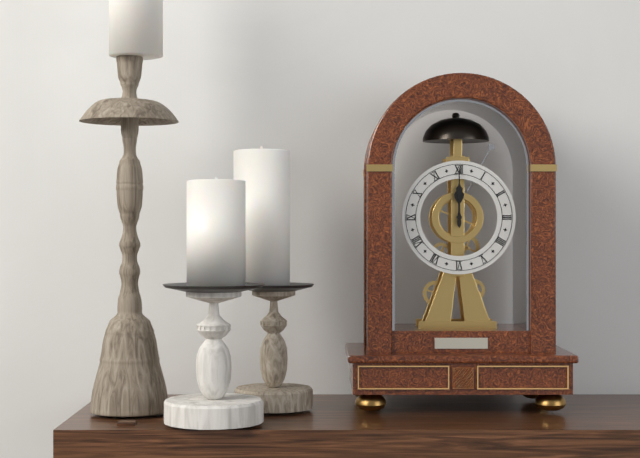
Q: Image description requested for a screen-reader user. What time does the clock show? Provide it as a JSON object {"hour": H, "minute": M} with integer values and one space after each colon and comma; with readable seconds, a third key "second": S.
{"hour": 12, "minute": 0}
